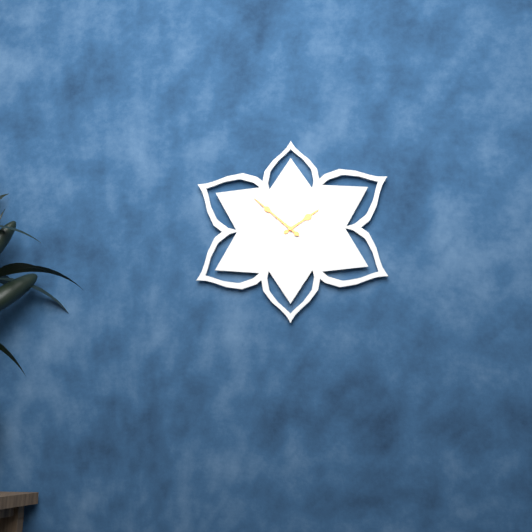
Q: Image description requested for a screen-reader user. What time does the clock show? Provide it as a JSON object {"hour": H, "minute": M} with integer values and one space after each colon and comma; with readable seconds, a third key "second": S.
{"hour": 1, "minute": 52}
